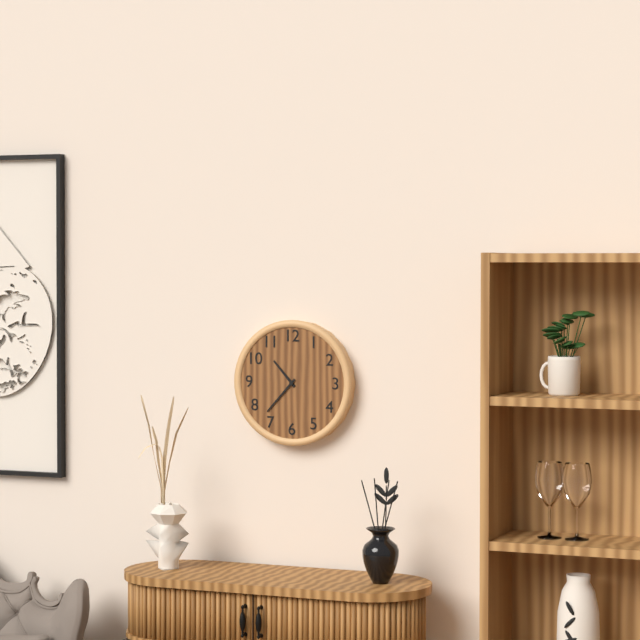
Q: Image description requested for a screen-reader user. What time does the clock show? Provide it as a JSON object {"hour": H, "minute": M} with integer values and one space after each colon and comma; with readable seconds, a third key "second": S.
{"hour": 10, "minute": 37}
